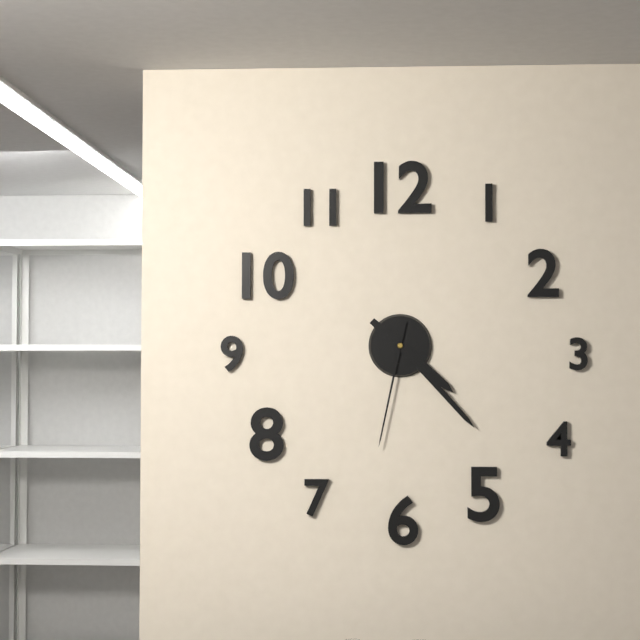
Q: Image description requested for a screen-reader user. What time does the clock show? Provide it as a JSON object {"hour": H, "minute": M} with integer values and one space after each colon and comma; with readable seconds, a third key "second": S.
{"hour": 4, "minute": 23, "second": 32}
